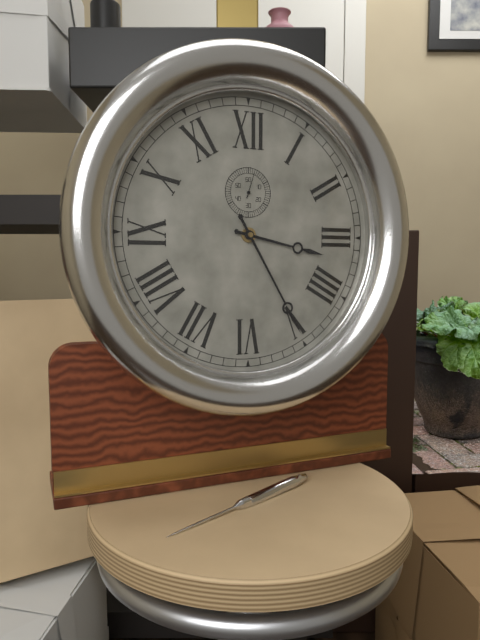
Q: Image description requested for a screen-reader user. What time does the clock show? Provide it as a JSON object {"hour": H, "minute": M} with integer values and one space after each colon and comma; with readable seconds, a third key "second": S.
{"hour": 3, "minute": 25}
